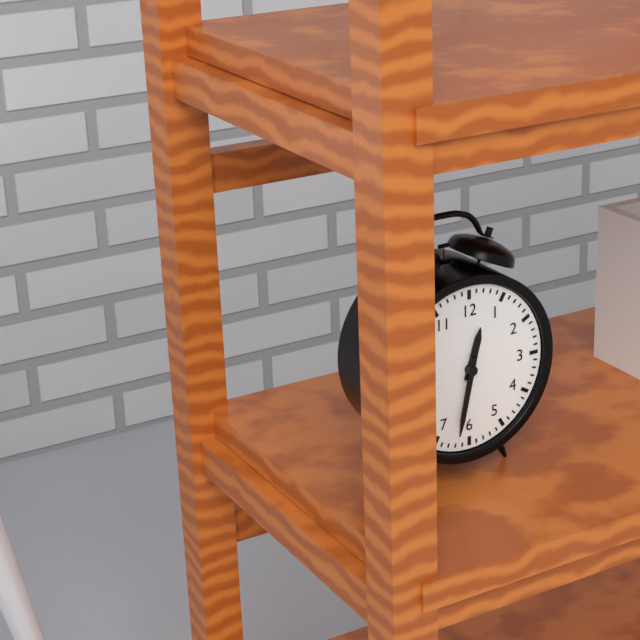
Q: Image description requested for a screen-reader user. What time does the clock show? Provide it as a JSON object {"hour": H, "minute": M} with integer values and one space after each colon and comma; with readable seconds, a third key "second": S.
{"hour": 12, "minute": 32}
